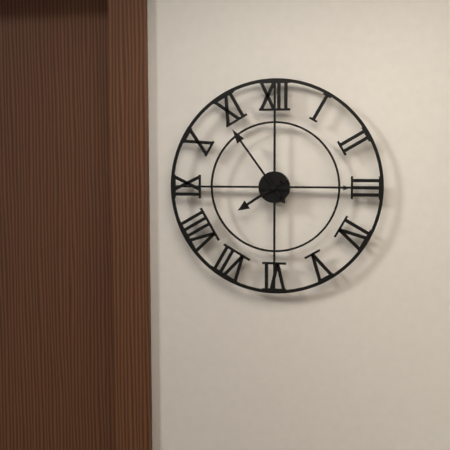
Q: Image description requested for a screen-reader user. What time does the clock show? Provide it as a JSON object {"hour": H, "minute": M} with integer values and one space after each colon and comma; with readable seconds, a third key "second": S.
{"hour": 7, "minute": 54, "second": 15}
